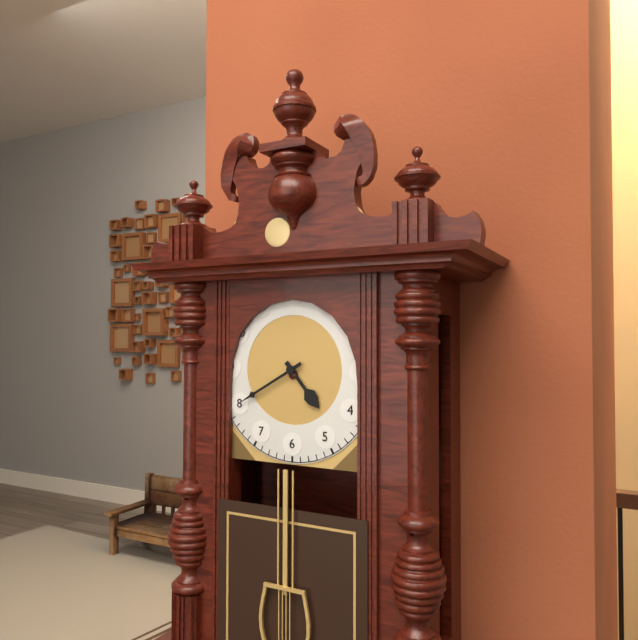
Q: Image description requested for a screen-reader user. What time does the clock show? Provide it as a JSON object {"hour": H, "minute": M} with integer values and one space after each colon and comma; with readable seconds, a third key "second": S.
{"hour": 4, "minute": 40}
